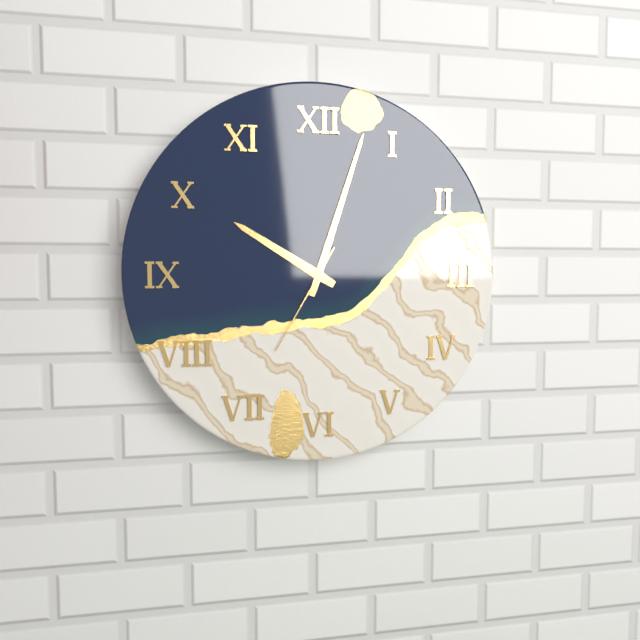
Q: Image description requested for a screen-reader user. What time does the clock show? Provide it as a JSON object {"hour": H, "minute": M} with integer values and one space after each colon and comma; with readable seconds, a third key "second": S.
{"hour": 10, "minute": 3, "second": 35}
